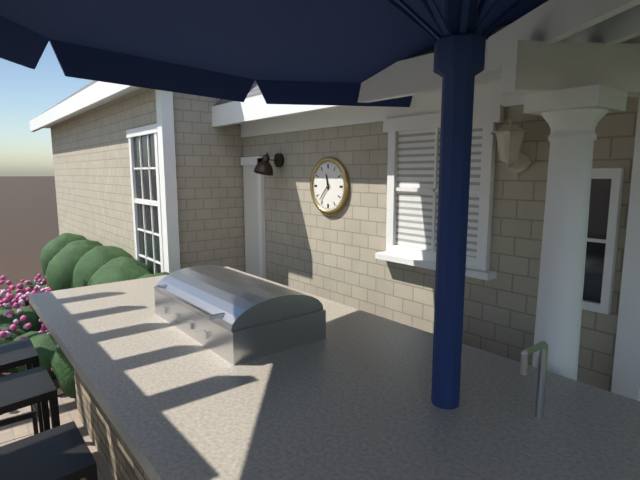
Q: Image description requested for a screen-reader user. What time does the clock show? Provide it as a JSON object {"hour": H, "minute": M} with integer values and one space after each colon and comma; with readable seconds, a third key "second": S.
{"hour": 11, "minute": 37}
